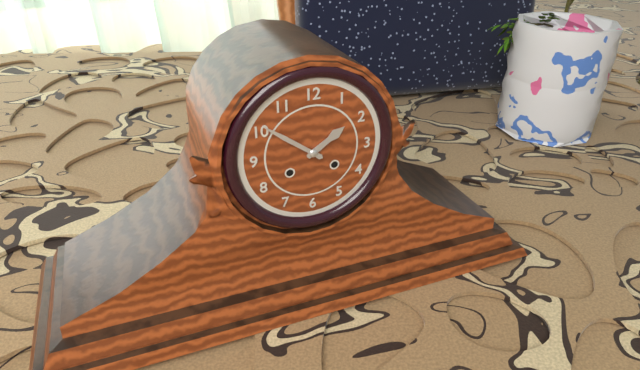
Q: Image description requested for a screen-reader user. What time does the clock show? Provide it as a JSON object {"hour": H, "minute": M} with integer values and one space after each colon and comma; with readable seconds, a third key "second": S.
{"hour": 1, "minute": 51}
